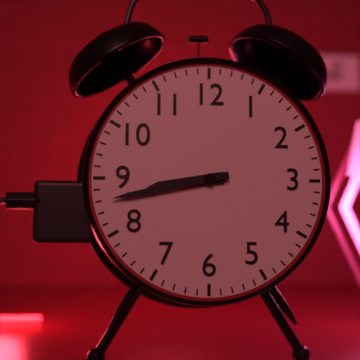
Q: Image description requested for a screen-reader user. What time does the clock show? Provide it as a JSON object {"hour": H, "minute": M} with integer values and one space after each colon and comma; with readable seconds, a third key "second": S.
{"hour": 8, "minute": 43}
